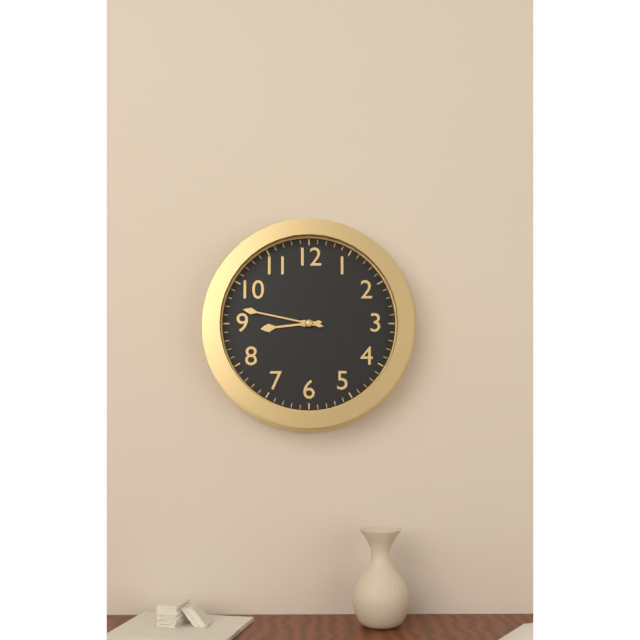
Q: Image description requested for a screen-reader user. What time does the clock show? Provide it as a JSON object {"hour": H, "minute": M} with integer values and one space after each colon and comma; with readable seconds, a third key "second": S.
{"hour": 8, "minute": 47}
